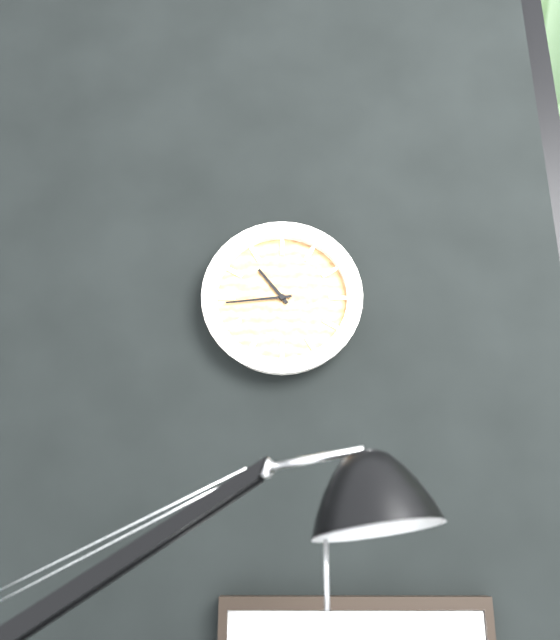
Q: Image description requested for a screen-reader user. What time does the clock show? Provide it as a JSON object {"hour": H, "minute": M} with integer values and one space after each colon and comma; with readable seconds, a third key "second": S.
{"hour": 10, "minute": 44}
